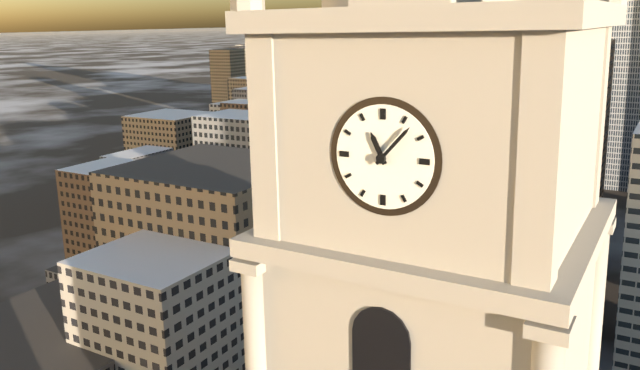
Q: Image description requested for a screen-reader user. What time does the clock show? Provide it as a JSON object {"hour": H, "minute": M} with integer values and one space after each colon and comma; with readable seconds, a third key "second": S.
{"hour": 11, "minute": 7}
